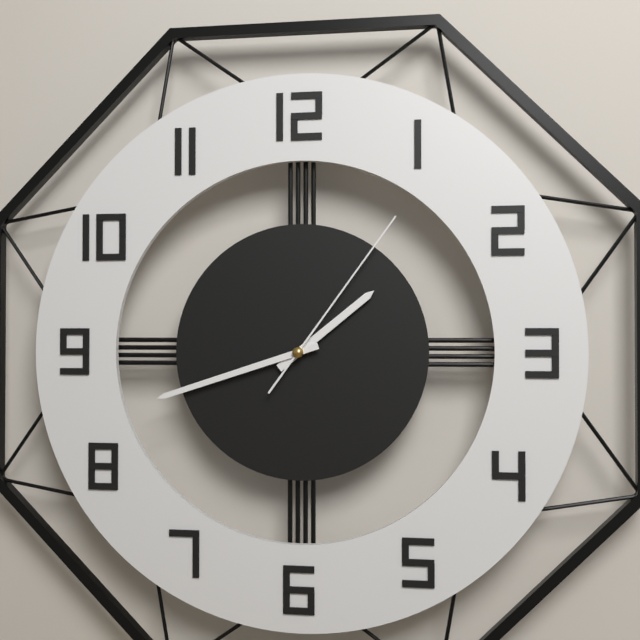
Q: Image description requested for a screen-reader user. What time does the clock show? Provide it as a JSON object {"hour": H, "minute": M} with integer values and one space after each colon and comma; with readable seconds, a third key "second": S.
{"hour": 1, "minute": 42, "second": 6}
